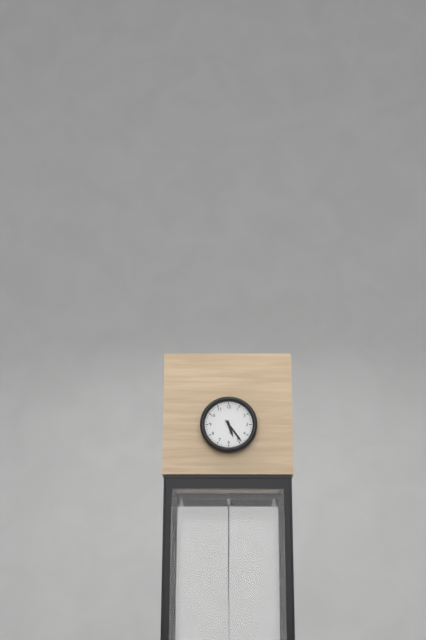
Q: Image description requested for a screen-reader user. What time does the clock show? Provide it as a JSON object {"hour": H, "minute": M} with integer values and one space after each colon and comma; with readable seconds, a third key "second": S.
{"hour": 5, "minute": 24}
